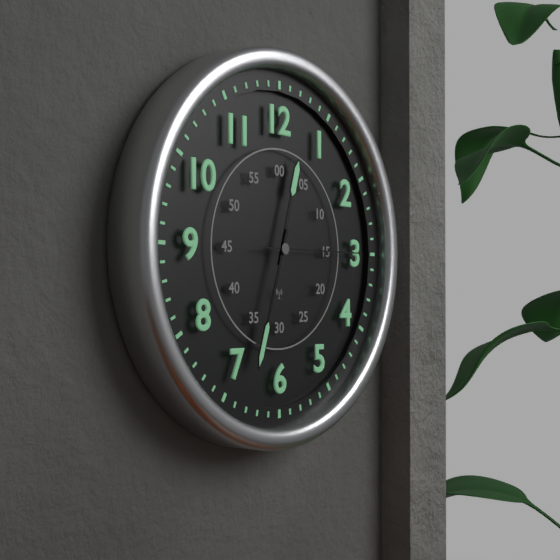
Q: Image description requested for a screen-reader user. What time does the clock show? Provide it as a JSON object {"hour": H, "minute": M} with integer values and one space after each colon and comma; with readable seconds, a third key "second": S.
{"hour": 12, "minute": 33, "second": 15}
